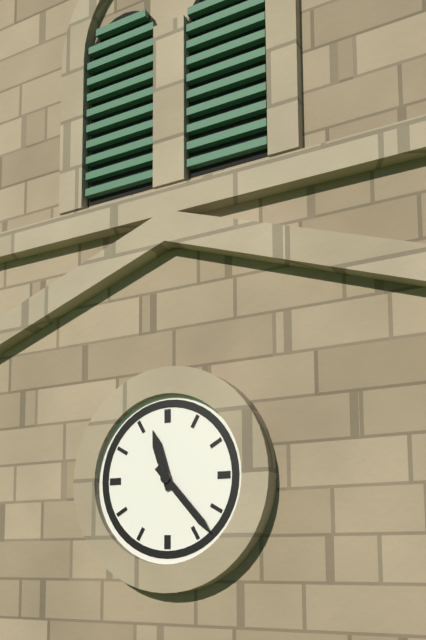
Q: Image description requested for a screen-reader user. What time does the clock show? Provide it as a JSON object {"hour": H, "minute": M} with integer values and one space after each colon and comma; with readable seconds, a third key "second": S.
{"hour": 11, "minute": 23}
